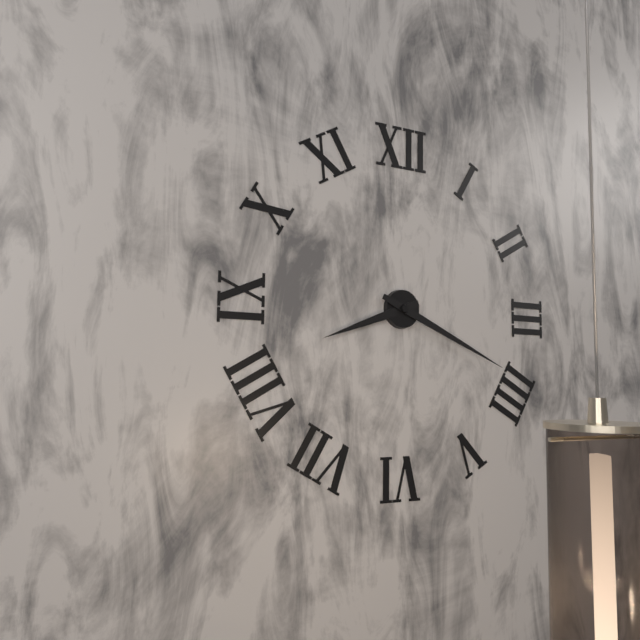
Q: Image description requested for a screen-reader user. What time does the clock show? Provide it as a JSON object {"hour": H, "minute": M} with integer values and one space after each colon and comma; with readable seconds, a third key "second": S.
{"hour": 8, "minute": 19}
